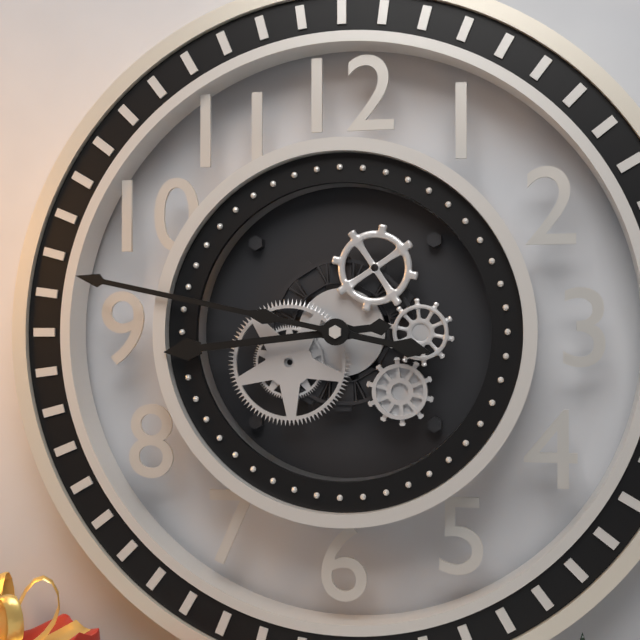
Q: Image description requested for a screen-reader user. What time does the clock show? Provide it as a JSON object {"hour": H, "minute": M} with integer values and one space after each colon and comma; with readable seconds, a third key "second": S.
{"hour": 8, "minute": 47}
